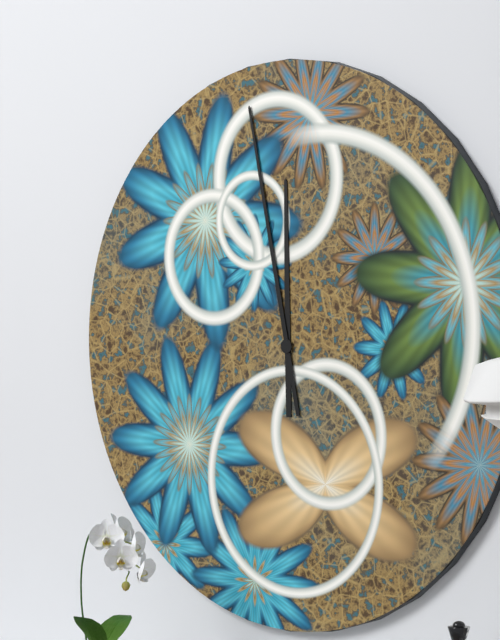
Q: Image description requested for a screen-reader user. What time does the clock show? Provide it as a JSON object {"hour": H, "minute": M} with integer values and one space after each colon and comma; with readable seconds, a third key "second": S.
{"hour": 11, "minute": 58}
